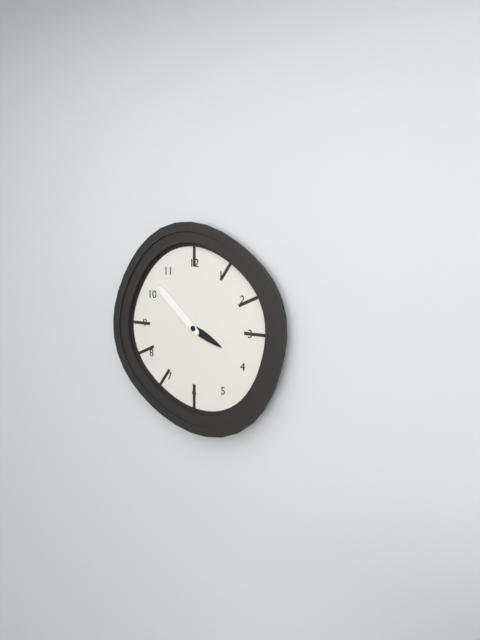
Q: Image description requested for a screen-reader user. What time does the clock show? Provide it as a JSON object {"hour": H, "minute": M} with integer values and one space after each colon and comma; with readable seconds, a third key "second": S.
{"hour": 3, "minute": 52}
